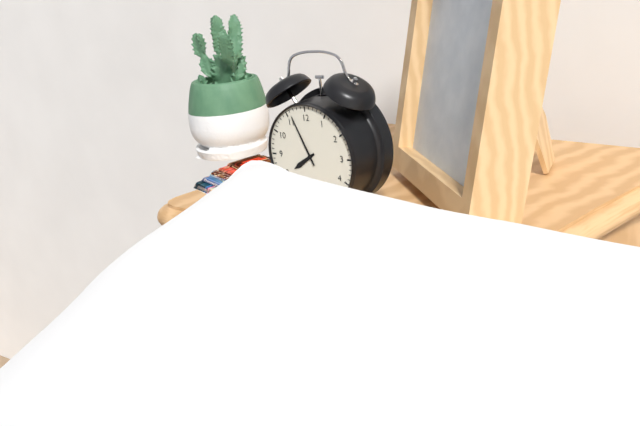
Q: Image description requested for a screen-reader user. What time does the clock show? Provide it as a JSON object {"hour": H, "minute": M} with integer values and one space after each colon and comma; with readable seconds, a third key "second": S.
{"hour": 7, "minute": 56}
